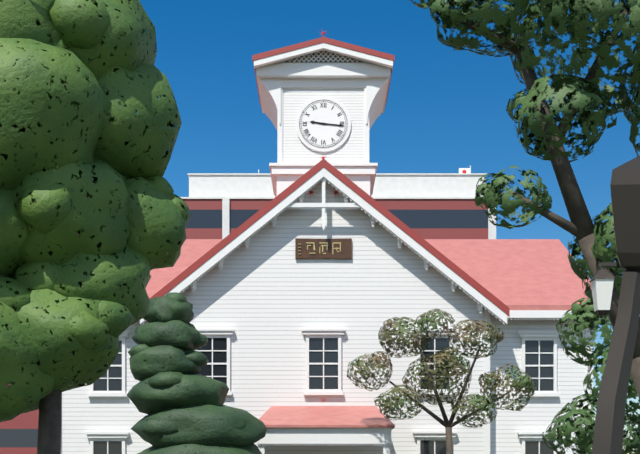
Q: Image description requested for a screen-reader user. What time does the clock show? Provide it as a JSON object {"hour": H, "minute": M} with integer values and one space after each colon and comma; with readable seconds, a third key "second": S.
{"hour": 9, "minute": 16}
